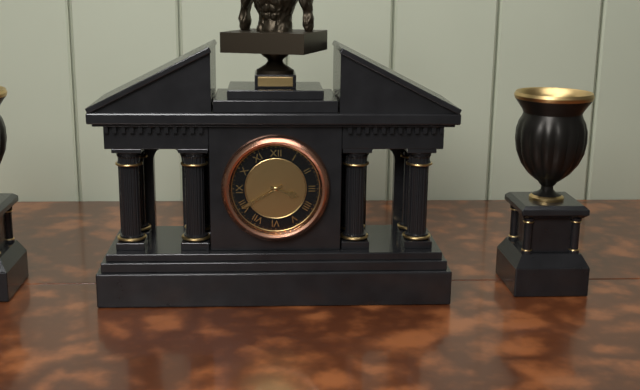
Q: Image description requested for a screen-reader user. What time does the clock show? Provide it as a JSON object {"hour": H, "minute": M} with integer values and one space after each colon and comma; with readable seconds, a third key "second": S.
{"hour": 3, "minute": 40}
